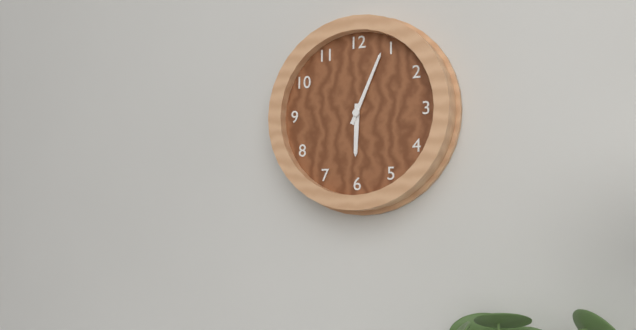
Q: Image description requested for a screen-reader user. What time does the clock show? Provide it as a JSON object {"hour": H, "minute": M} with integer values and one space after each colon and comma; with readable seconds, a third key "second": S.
{"hour": 6, "minute": 4}
